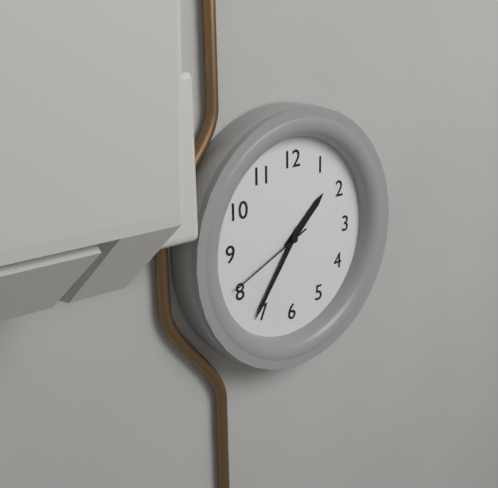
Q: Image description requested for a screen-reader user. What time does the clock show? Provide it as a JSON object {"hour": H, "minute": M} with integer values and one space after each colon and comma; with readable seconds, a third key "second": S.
{"hour": 1, "minute": 36, "second": 41}
